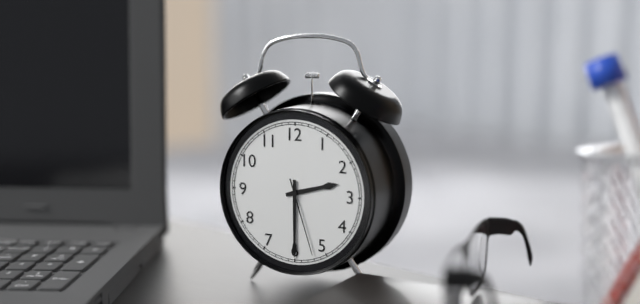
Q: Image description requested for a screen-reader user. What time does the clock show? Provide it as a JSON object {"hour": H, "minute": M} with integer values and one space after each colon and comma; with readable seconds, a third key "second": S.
{"hour": 2, "minute": 30, "second": 27}
